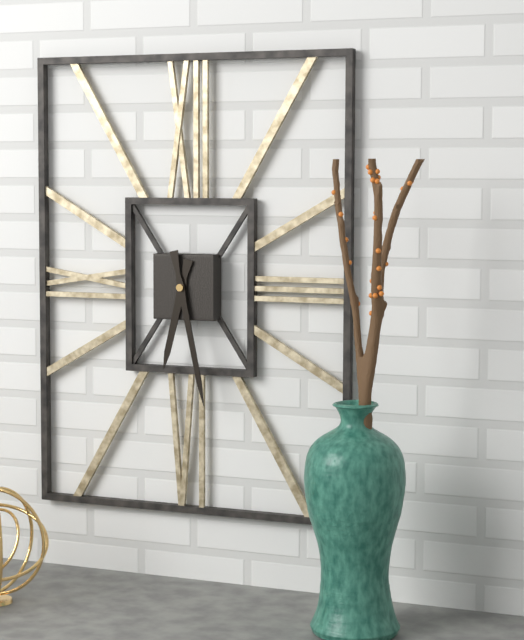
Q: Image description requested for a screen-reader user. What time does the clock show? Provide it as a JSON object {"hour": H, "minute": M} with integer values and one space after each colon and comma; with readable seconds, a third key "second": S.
{"hour": 6, "minute": 28}
